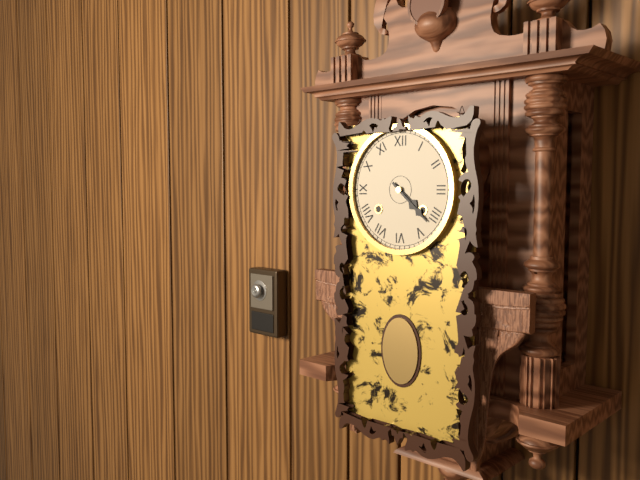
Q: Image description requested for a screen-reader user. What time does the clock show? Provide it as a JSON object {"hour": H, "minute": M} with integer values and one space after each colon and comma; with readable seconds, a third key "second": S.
{"hour": 4, "minute": 22}
